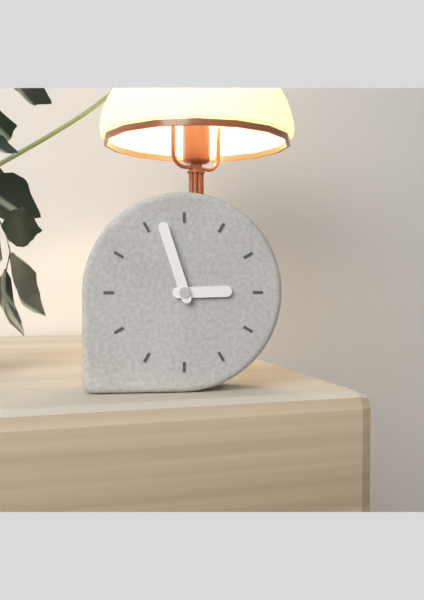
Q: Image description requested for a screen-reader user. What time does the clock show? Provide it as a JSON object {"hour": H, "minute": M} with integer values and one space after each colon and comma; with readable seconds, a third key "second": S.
{"hour": 2, "minute": 57}
